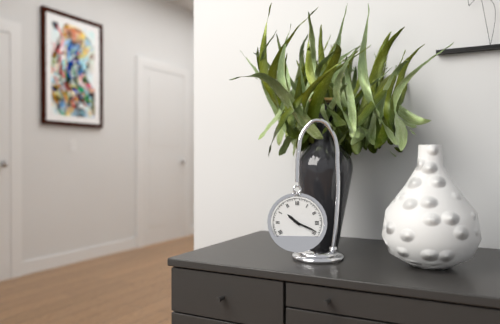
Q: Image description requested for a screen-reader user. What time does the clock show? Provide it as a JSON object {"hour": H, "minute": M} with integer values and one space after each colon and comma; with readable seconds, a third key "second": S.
{"hour": 10, "minute": 19}
